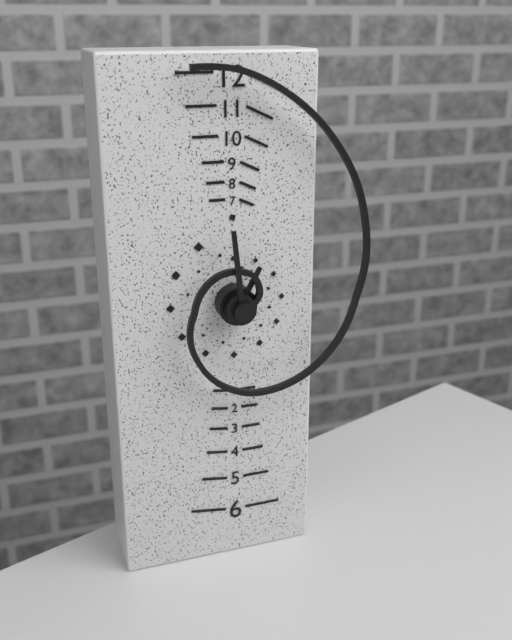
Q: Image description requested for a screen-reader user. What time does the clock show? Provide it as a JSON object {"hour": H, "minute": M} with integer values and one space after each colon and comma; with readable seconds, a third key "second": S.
{"hour": 12, "minute": 59}
